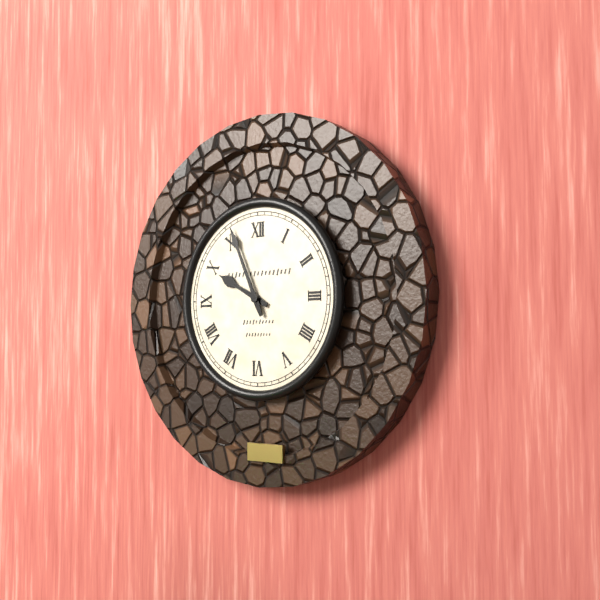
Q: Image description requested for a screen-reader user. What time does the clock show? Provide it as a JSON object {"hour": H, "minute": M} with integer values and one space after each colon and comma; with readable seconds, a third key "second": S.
{"hour": 9, "minute": 56}
